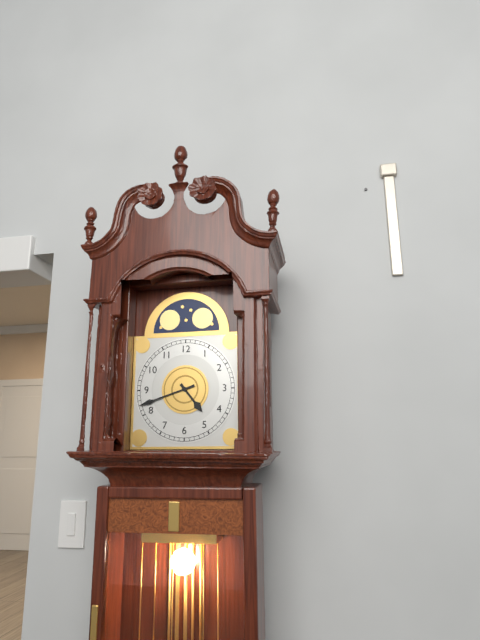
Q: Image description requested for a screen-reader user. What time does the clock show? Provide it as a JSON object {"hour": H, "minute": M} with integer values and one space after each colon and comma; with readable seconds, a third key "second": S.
{"hour": 4, "minute": 42}
